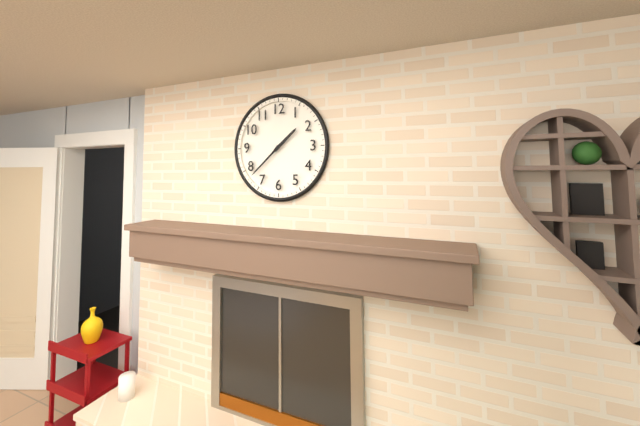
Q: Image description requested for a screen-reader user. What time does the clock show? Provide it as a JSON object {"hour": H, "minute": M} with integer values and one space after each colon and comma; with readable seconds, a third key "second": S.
{"hour": 1, "minute": 38}
